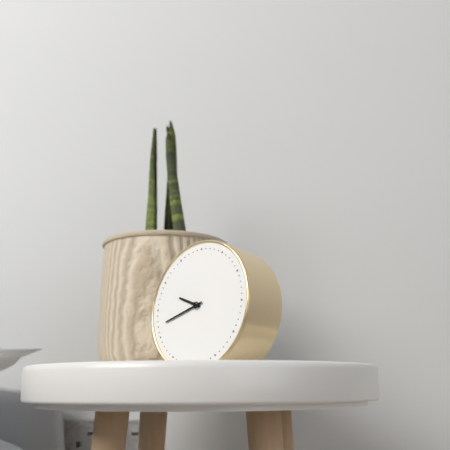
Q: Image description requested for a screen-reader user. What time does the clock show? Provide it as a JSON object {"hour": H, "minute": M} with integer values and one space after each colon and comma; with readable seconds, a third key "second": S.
{"hour": 9, "minute": 42}
